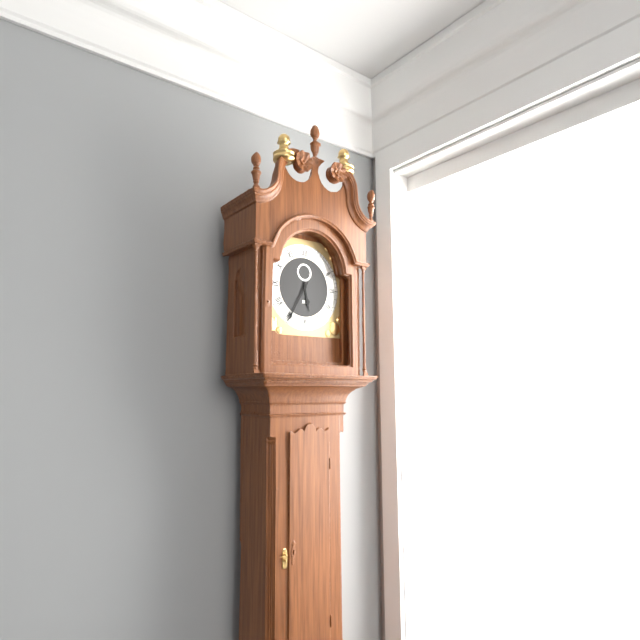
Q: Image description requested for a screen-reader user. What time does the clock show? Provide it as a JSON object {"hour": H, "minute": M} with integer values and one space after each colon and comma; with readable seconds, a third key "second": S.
{"hour": 5, "minute": 35}
